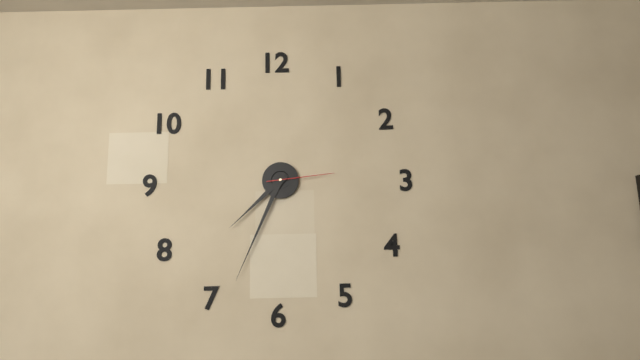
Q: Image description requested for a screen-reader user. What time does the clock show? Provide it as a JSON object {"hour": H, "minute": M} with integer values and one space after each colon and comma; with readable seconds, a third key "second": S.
{"hour": 7, "minute": 34, "second": 14}
